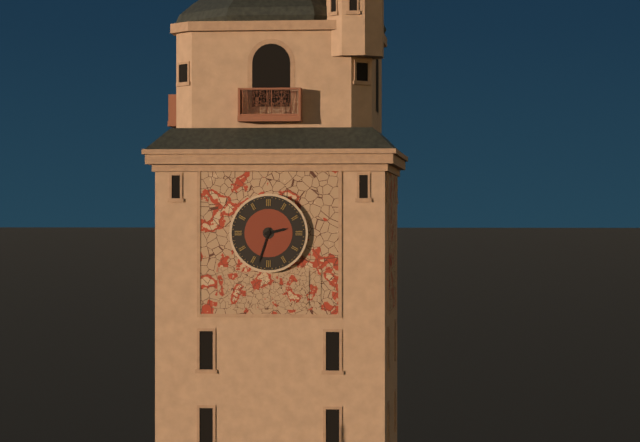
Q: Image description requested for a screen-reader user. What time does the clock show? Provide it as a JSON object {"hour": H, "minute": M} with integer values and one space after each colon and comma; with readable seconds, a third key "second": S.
{"hour": 2, "minute": 33}
